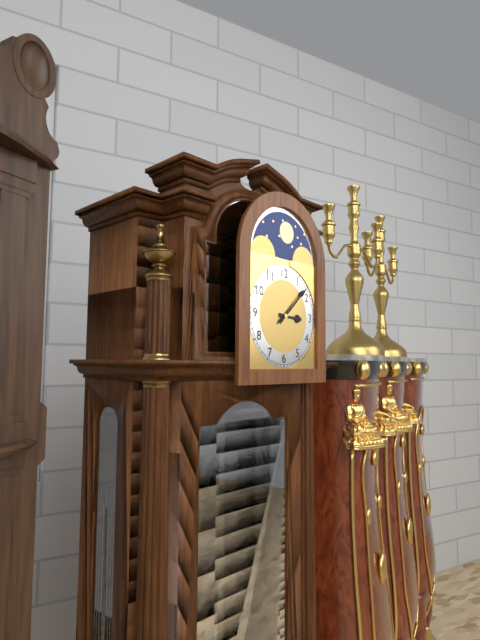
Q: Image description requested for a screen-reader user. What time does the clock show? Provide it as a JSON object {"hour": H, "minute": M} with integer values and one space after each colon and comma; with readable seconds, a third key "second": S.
{"hour": 3, "minute": 8}
